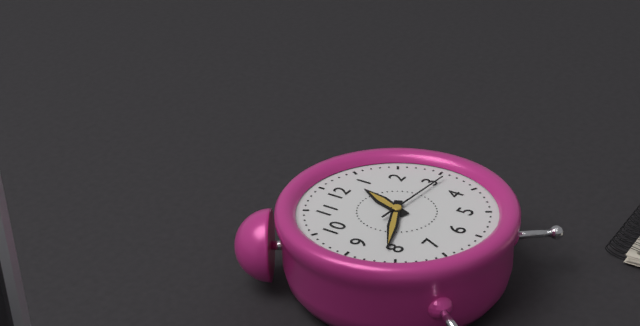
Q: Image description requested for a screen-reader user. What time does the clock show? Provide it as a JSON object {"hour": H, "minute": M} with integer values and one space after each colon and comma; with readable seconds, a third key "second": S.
{"hour": 12, "minute": 41, "second": 16}
